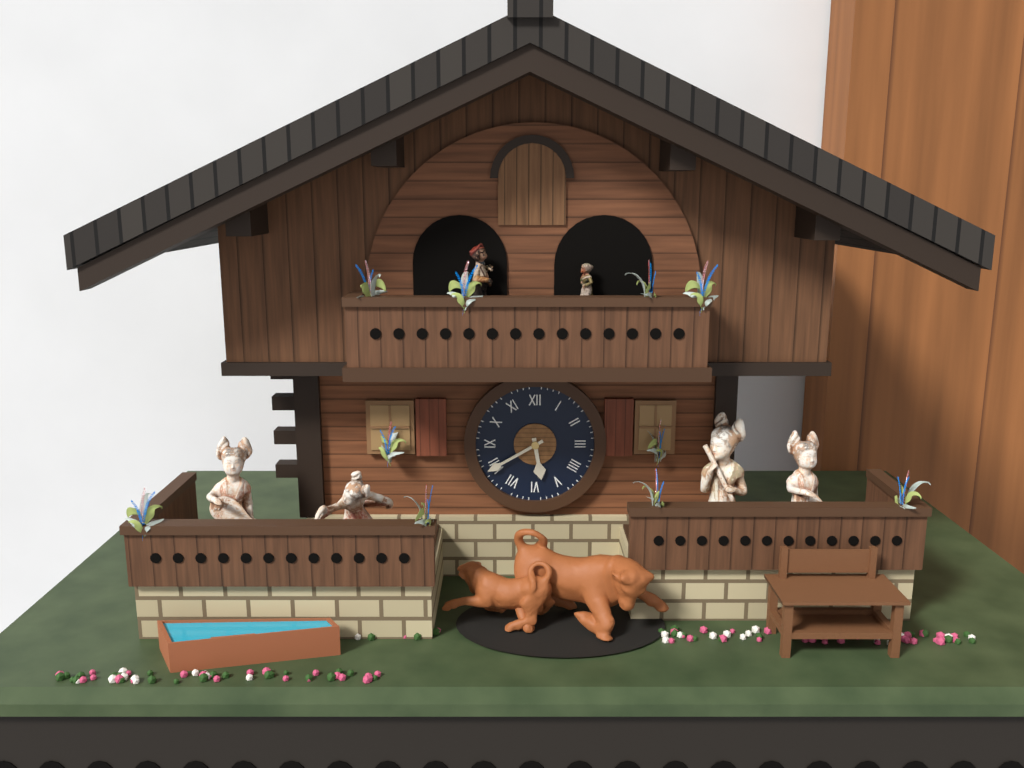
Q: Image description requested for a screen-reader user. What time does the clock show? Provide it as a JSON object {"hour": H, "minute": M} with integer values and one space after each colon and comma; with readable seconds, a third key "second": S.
{"hour": 5, "minute": 40}
